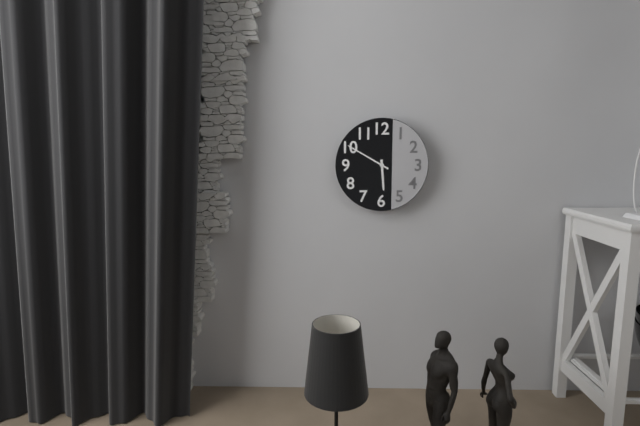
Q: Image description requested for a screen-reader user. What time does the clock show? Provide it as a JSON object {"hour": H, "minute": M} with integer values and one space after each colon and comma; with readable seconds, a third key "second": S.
{"hour": 5, "minute": 50}
